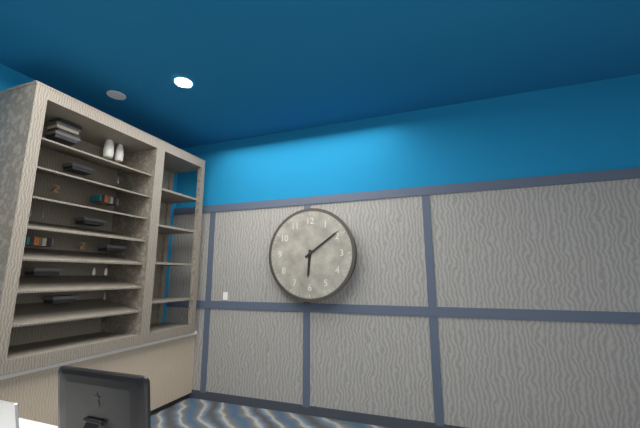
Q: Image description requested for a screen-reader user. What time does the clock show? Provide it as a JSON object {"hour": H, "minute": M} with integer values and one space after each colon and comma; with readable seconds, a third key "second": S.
{"hour": 6, "minute": 9}
